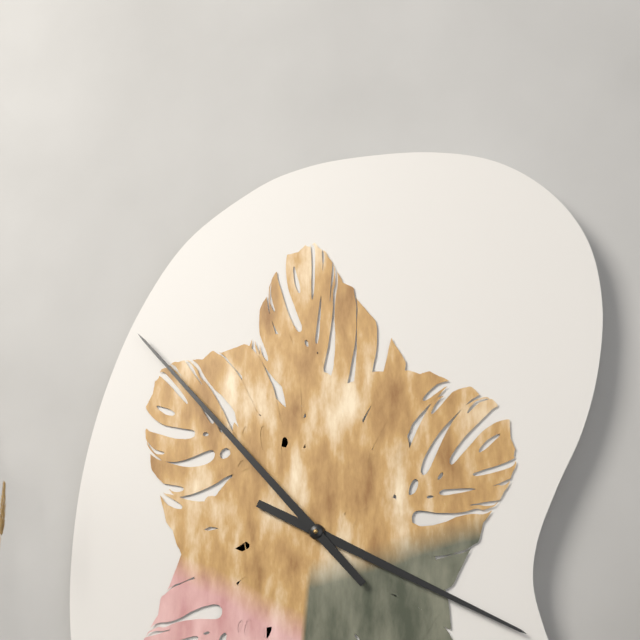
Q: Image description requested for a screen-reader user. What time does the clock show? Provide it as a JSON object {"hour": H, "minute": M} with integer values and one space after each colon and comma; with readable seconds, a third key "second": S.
{"hour": 3, "minute": 53}
